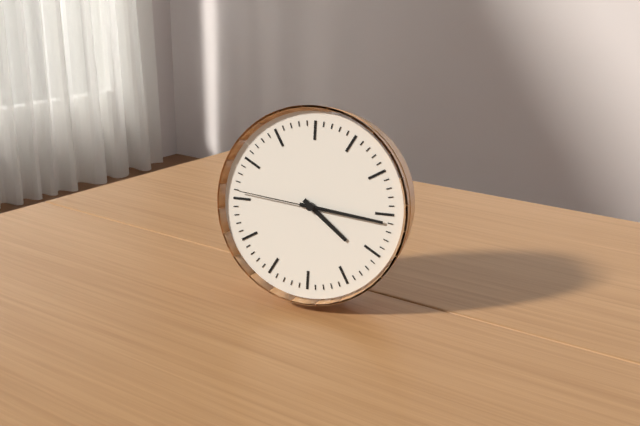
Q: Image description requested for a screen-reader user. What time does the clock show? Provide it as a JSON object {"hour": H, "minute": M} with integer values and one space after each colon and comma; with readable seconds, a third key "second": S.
{"hour": 4, "minute": 16, "second": 46}
